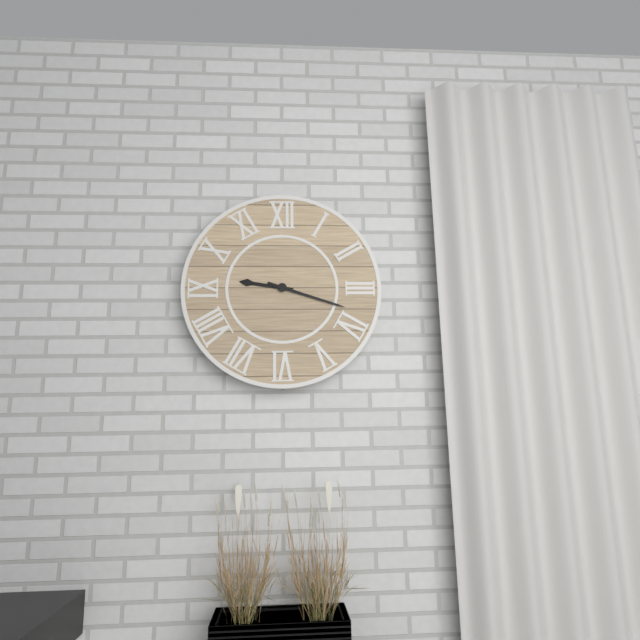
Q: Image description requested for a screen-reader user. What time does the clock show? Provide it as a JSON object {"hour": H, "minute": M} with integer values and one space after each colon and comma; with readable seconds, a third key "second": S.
{"hour": 9, "minute": 18}
